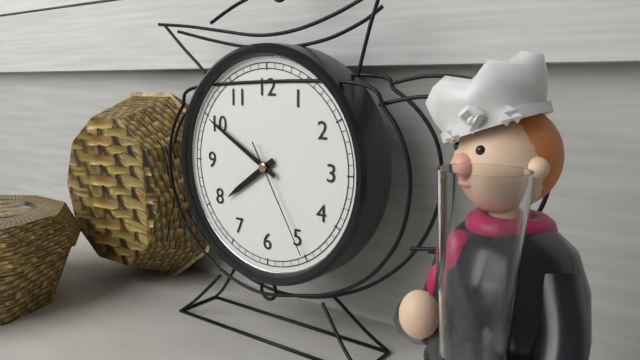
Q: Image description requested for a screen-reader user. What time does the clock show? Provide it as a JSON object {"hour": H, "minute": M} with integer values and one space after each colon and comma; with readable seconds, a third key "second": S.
{"hour": 7, "minute": 50, "second": 25}
